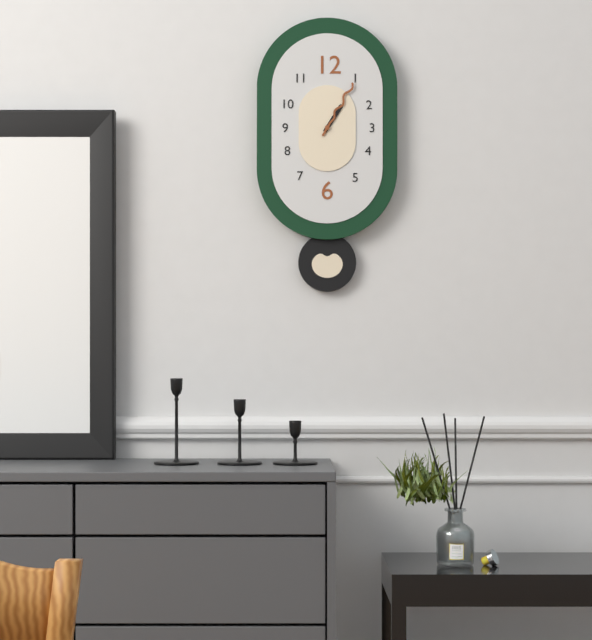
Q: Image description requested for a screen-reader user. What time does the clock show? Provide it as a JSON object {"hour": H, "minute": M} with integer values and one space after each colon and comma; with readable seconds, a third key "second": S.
{"hour": 1, "minute": 5}
